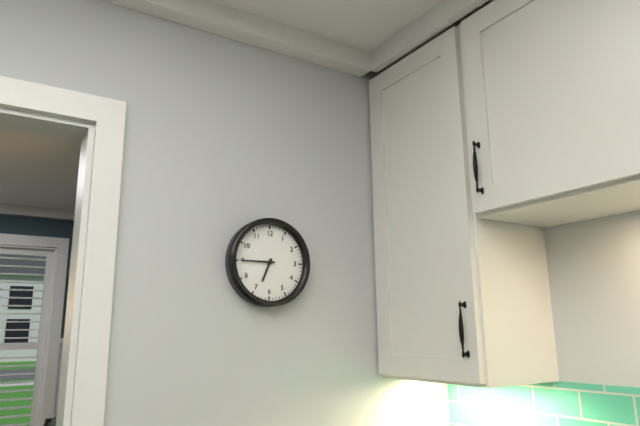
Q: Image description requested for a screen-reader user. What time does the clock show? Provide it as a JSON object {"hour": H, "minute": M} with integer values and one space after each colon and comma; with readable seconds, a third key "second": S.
{"hour": 6, "minute": 45}
